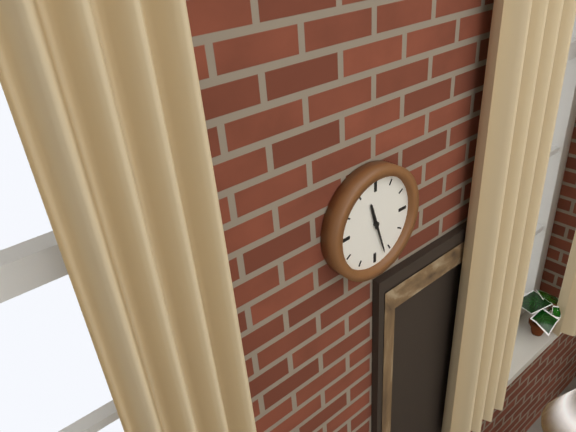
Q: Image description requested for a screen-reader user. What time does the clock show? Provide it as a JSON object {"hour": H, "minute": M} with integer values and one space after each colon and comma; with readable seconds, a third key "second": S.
{"hour": 11, "minute": 27}
